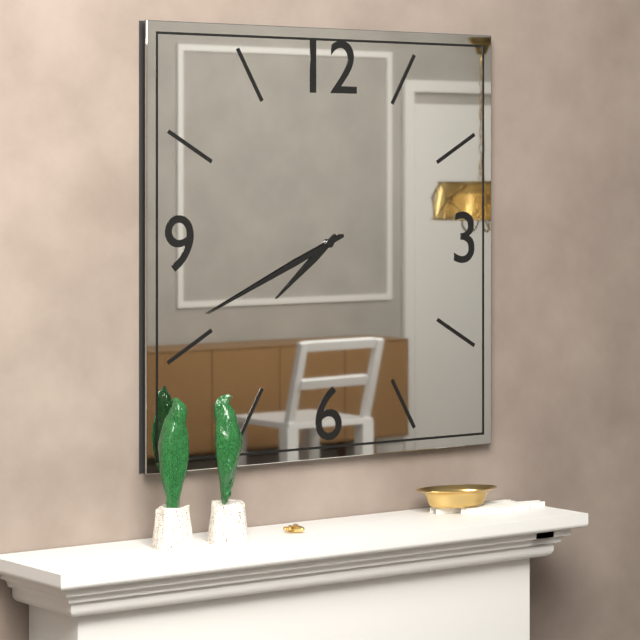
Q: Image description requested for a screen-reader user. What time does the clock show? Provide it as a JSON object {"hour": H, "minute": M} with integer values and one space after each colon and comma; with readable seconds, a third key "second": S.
{"hour": 7, "minute": 41}
